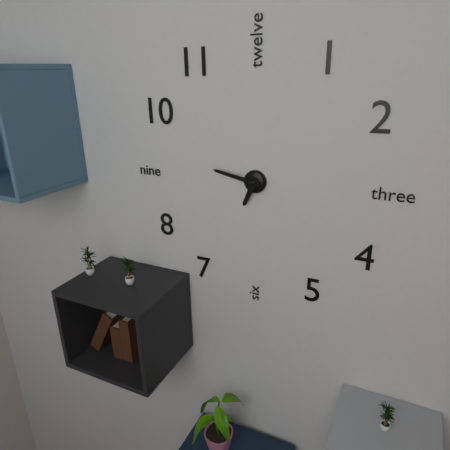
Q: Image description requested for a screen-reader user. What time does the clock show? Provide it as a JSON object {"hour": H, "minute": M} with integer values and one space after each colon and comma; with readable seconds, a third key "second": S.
{"hour": 6, "minute": 47}
